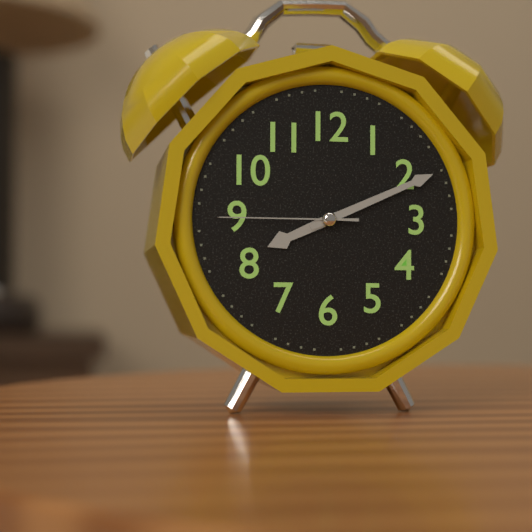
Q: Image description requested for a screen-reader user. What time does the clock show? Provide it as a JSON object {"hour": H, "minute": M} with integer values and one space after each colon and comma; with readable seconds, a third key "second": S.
{"hour": 8, "minute": 11, "second": 45}
